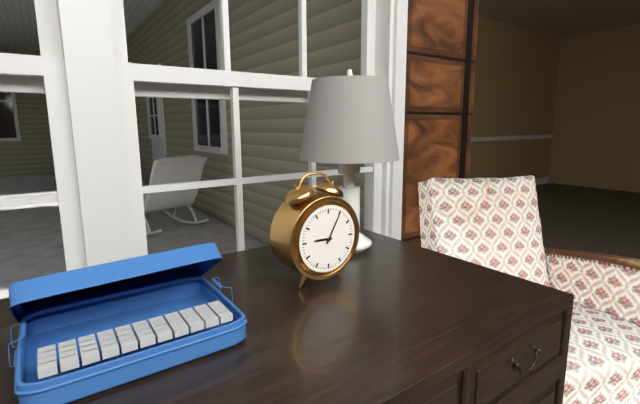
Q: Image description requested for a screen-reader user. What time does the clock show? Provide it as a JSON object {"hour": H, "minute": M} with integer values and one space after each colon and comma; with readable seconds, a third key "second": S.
{"hour": 9, "minute": 5}
